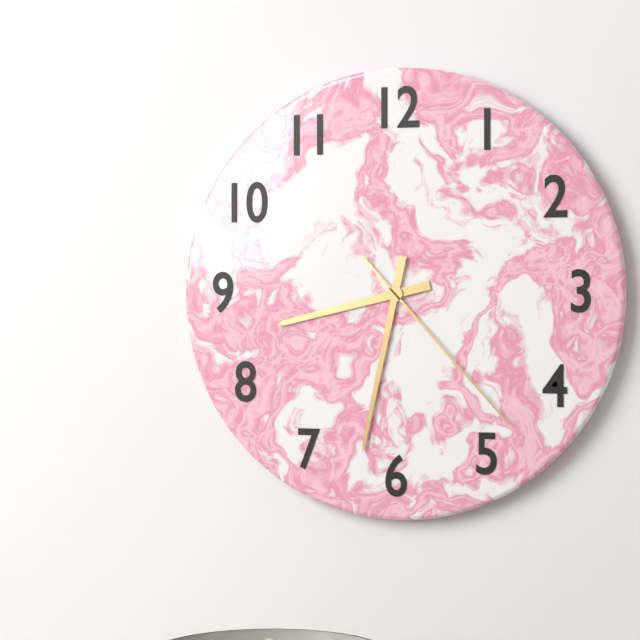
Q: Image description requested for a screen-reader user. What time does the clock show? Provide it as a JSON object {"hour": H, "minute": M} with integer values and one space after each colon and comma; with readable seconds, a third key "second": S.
{"hour": 8, "minute": 32, "second": 23}
